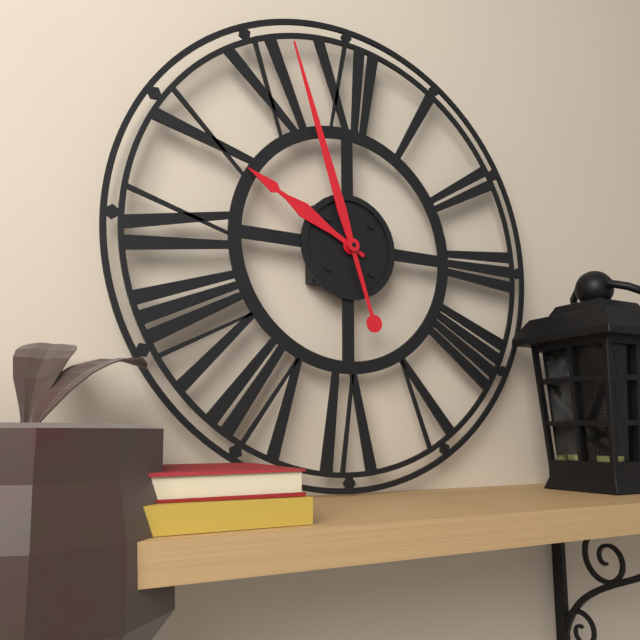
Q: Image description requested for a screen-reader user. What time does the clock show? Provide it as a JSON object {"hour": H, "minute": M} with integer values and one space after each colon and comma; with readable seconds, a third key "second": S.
{"hour": 9, "minute": 57}
